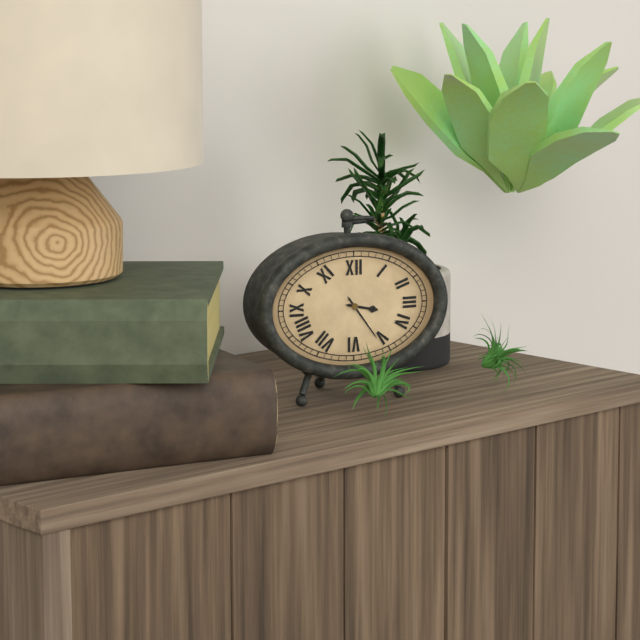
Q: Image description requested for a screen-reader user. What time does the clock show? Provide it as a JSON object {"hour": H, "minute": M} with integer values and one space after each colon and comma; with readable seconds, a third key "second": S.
{"hour": 3, "minute": 24}
